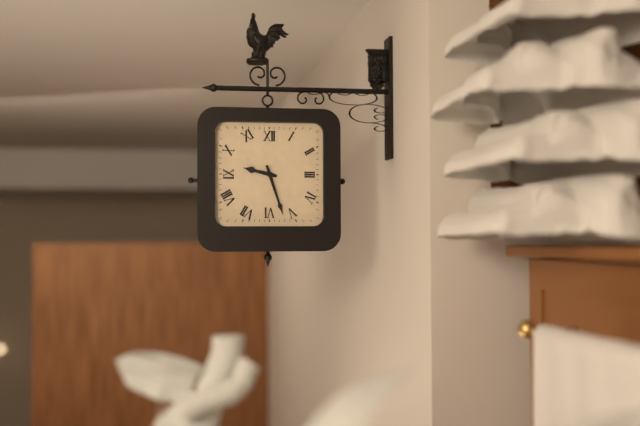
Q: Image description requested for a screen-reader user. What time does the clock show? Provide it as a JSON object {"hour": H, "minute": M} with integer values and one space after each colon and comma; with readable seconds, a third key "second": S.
{"hour": 9, "minute": 27}
